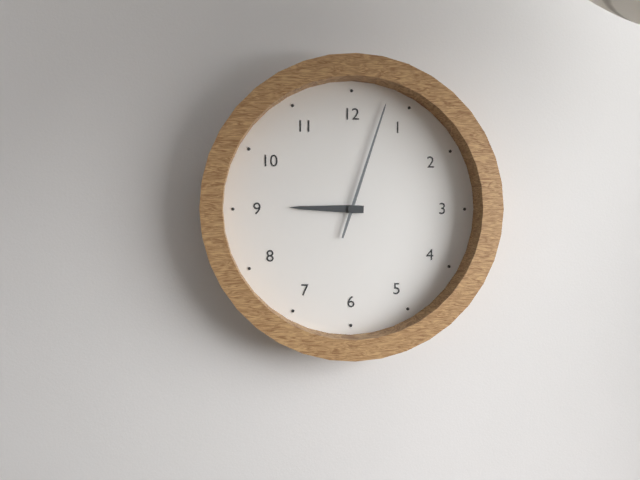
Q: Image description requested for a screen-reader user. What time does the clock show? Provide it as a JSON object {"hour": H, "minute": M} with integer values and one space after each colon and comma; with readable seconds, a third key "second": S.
{"hour": 9, "minute": 3}
